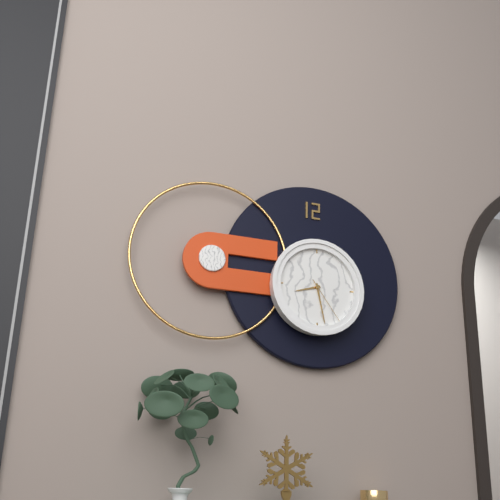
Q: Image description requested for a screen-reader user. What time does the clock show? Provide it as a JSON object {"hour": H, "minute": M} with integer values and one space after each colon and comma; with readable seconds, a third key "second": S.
{"hour": 8, "minute": 28, "second": 24}
